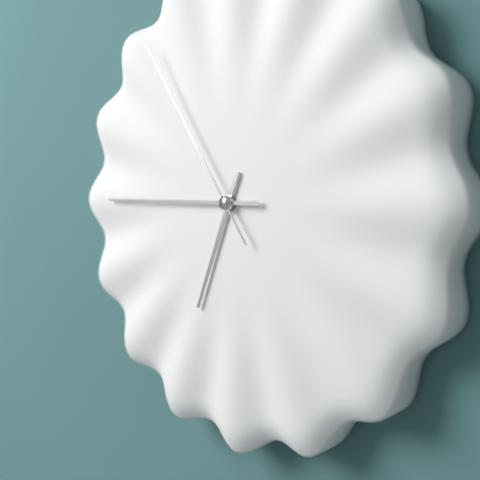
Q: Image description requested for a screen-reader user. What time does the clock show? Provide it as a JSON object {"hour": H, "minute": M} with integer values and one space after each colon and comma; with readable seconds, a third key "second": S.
{"hour": 6, "minute": 45, "second": 54}
